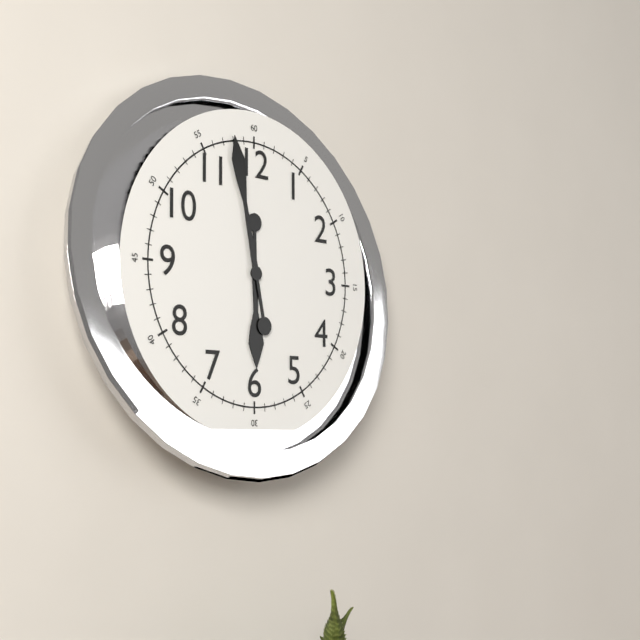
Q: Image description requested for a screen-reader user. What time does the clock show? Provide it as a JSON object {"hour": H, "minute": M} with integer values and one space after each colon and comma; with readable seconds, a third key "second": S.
{"hour": 5, "minute": 58}
